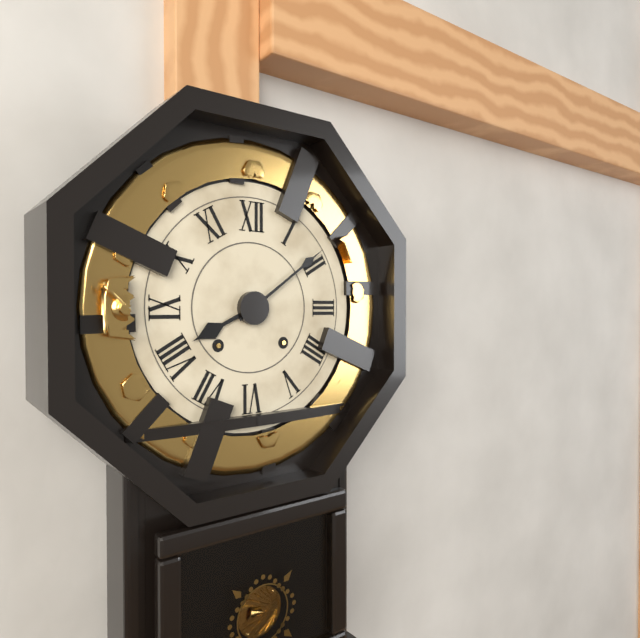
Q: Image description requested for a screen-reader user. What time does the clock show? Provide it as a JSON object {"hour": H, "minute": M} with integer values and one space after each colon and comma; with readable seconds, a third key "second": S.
{"hour": 8, "minute": 9}
